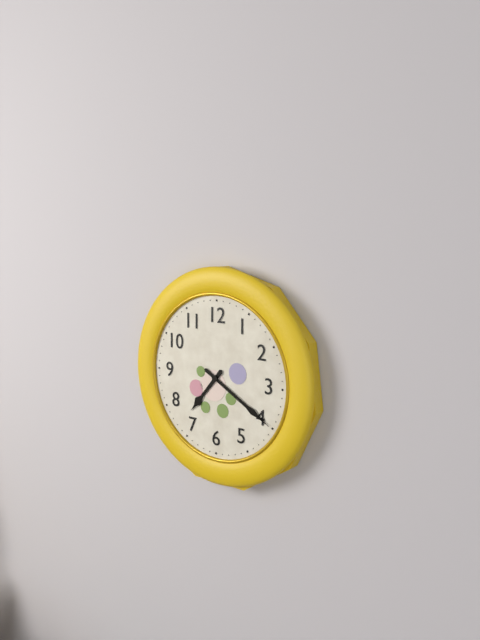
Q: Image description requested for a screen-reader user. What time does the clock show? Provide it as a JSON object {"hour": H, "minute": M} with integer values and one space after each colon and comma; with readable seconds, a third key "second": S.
{"hour": 7, "minute": 20}
